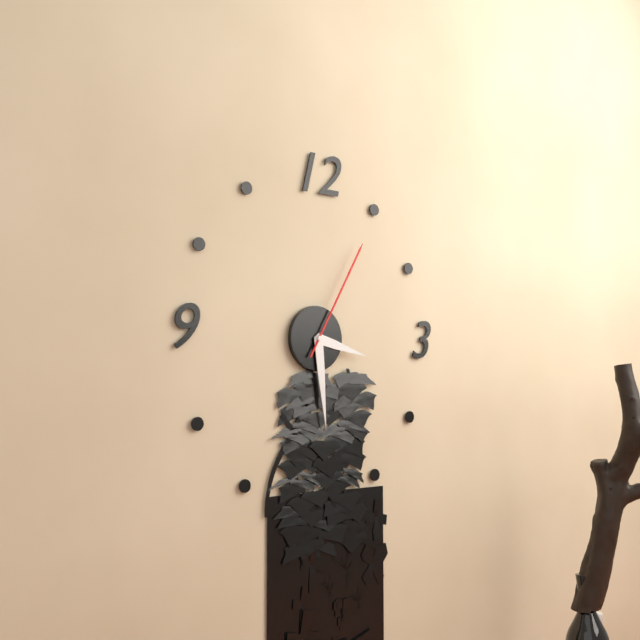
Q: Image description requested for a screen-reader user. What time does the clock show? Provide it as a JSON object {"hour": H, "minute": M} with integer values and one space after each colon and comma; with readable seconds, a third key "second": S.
{"hour": 3, "minute": 29, "second": 5}
